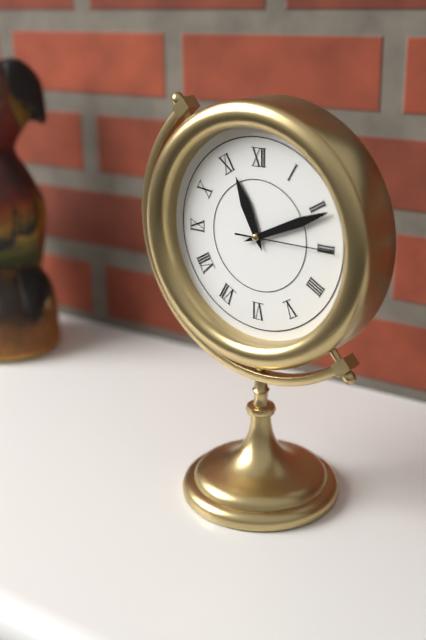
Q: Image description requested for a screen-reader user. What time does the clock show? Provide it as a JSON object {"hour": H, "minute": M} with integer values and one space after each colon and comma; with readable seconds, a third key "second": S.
{"hour": 11, "minute": 11, "second": 15}
